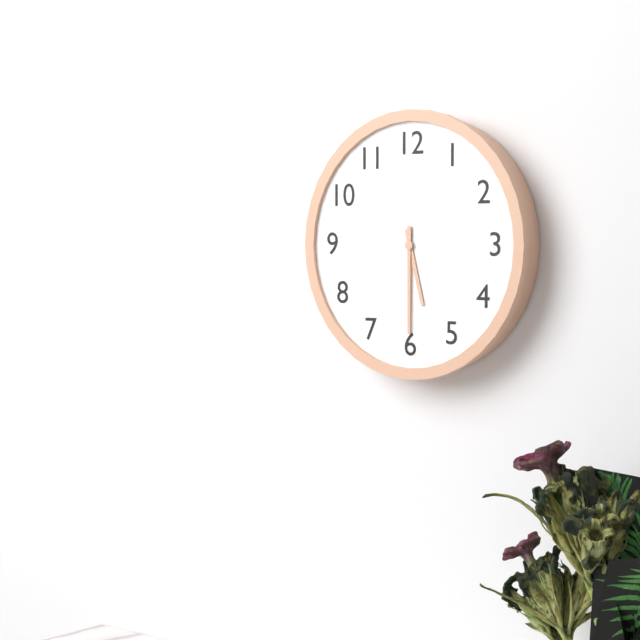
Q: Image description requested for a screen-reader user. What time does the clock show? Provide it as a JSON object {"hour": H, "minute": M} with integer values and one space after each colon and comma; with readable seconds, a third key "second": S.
{"hour": 5, "minute": 30}
